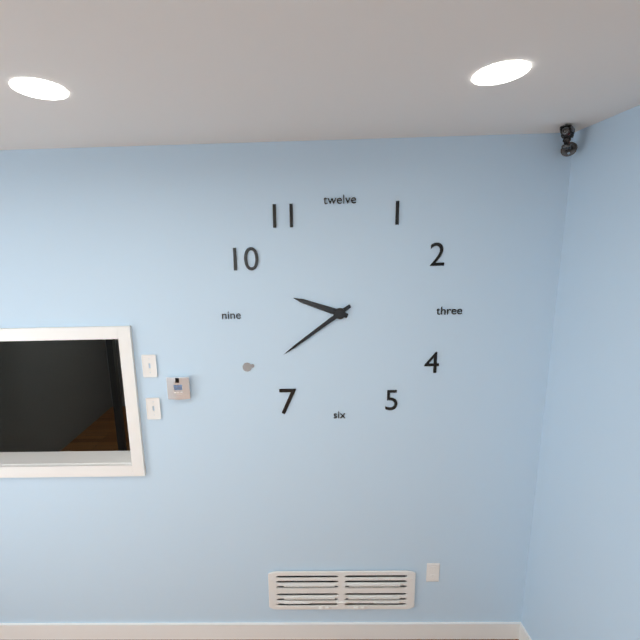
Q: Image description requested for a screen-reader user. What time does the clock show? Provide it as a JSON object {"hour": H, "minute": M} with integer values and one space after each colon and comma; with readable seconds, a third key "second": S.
{"hour": 9, "minute": 39}
